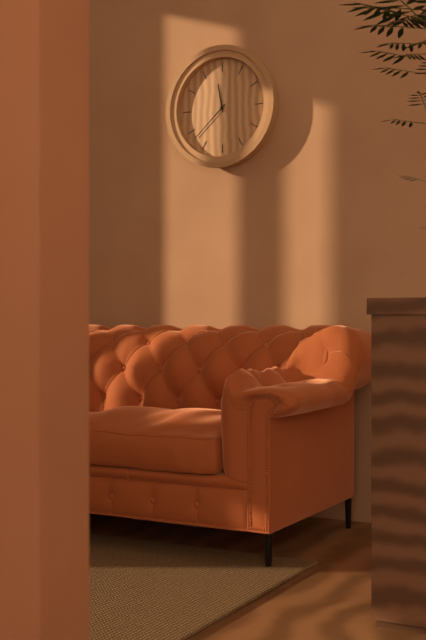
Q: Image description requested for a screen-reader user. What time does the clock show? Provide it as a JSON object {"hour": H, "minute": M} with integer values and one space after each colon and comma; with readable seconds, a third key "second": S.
{"hour": 11, "minute": 38}
